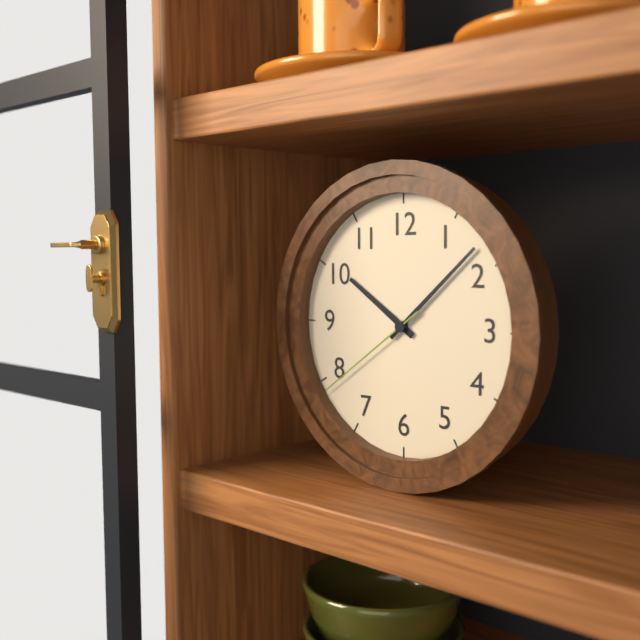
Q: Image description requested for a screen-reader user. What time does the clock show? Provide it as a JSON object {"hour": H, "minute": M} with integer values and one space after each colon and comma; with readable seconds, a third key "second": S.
{"hour": 10, "minute": 8, "second": 39}
